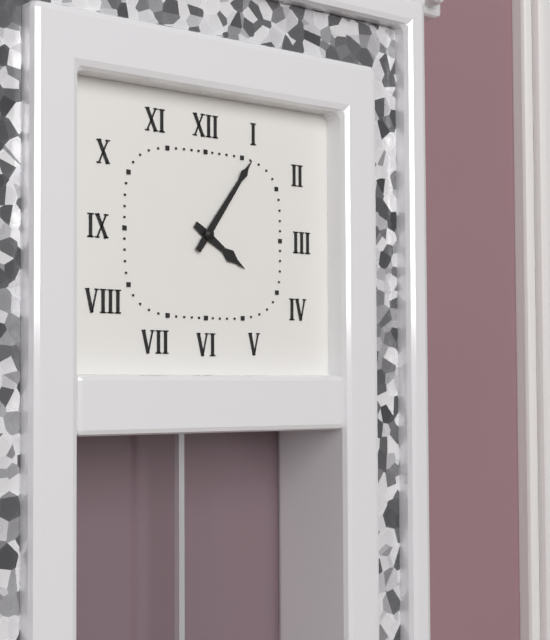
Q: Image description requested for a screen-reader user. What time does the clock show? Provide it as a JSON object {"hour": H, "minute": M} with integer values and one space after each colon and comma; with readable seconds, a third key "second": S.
{"hour": 4, "minute": 6}
